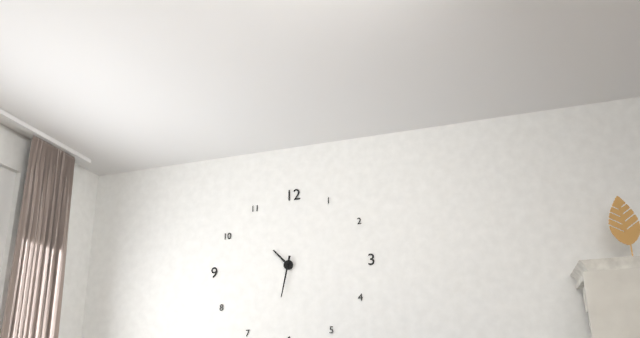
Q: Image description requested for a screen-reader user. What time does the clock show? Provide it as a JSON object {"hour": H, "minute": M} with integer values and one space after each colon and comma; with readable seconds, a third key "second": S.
{"hour": 10, "minute": 32}
